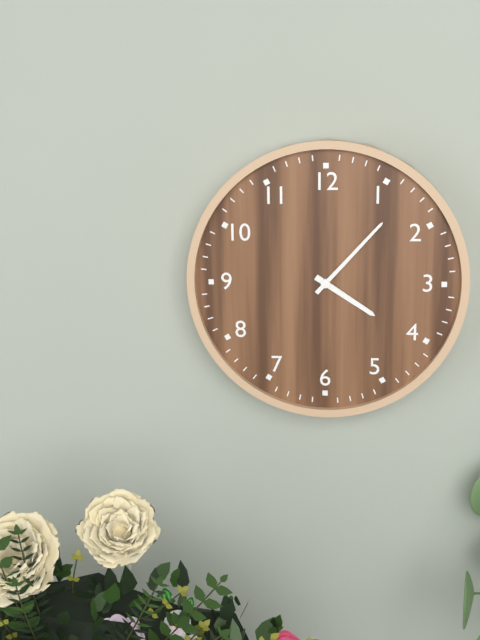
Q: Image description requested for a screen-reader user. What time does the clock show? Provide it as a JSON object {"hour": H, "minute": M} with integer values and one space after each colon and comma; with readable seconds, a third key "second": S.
{"hour": 4, "minute": 7}
